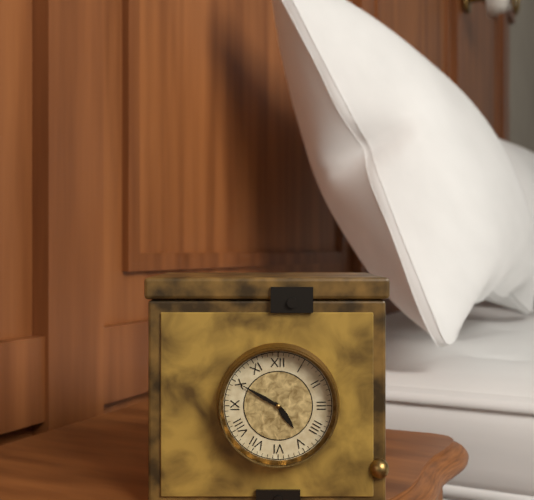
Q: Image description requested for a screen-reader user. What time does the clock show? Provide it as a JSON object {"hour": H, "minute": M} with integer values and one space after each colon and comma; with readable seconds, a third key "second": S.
{"hour": 4, "minute": 50}
